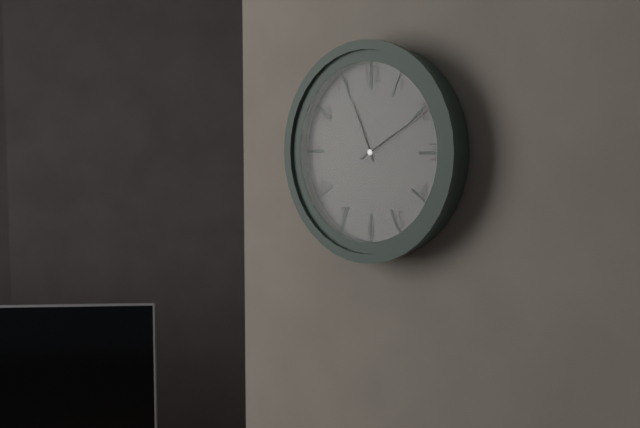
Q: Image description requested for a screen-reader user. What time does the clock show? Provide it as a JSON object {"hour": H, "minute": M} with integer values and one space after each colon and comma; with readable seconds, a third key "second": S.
{"hour": 11, "minute": 10}
